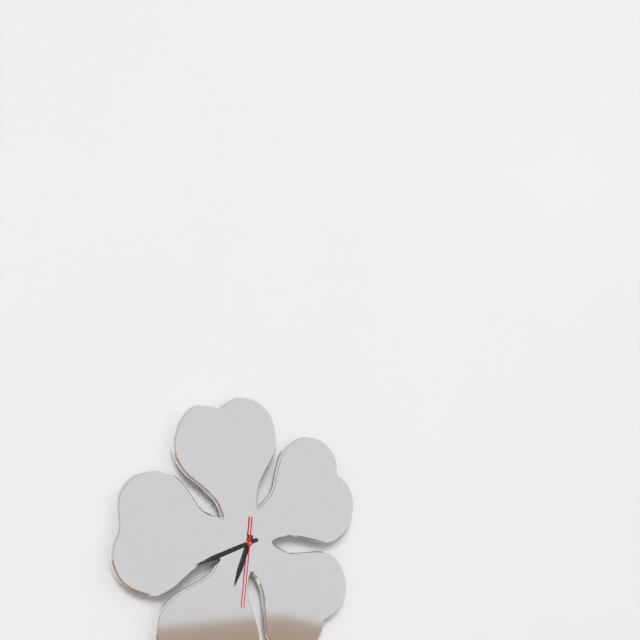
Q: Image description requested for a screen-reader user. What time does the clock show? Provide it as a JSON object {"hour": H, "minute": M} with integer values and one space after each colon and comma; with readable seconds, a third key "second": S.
{"hour": 6, "minute": 42, "second": 31}
